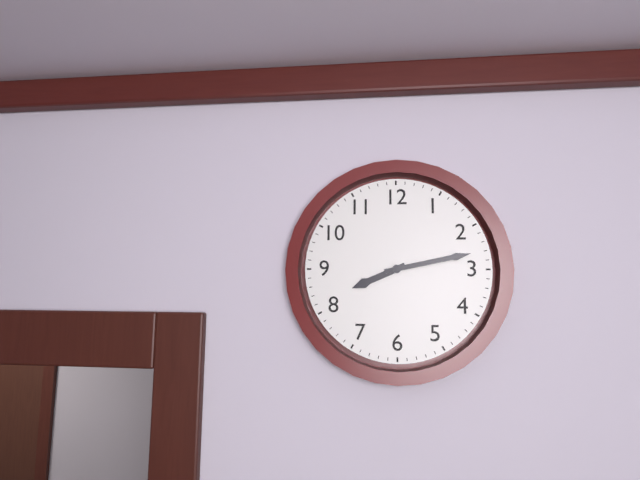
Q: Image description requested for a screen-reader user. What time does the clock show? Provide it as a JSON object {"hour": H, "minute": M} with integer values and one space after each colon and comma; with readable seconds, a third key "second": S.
{"hour": 8, "minute": 13}
